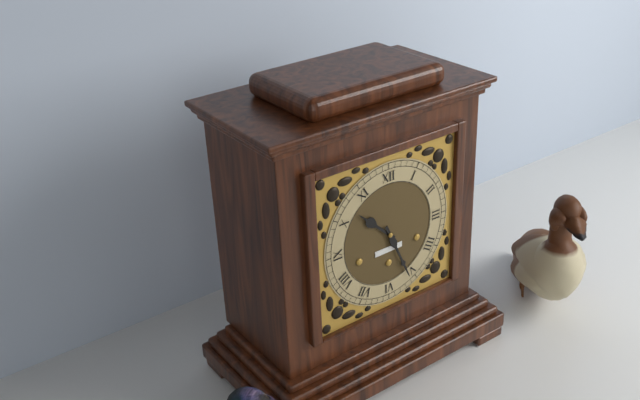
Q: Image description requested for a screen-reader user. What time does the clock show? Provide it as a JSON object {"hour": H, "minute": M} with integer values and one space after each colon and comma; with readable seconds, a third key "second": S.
{"hour": 10, "minute": 26}
